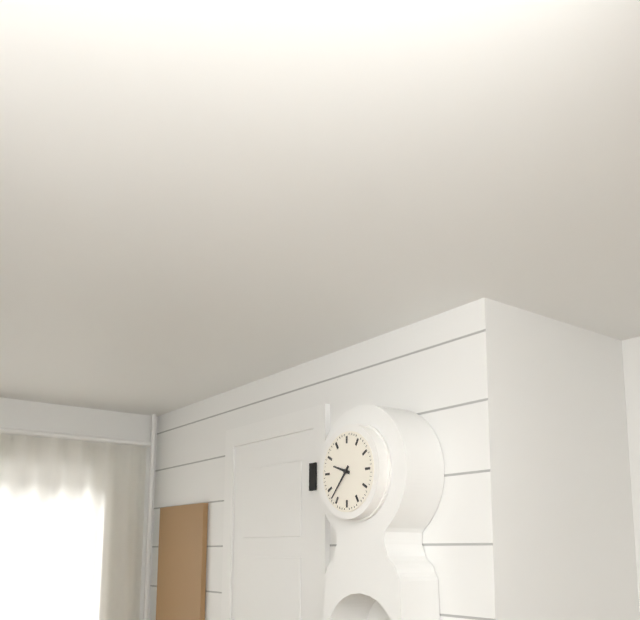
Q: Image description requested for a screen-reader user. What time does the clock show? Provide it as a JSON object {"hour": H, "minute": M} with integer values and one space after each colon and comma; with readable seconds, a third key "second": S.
{"hour": 9, "minute": 37}
